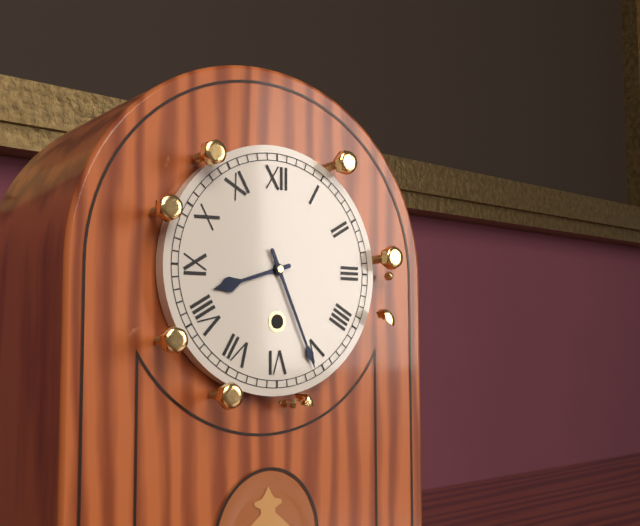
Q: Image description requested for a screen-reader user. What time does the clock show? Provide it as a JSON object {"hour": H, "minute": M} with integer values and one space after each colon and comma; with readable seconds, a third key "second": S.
{"hour": 8, "minute": 26}
